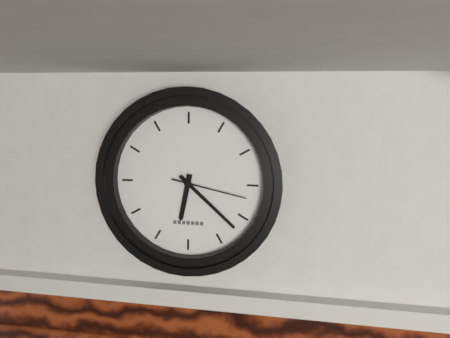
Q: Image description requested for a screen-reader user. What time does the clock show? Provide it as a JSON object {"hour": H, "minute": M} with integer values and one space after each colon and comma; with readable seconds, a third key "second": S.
{"hour": 6, "minute": 22, "second": 17}
